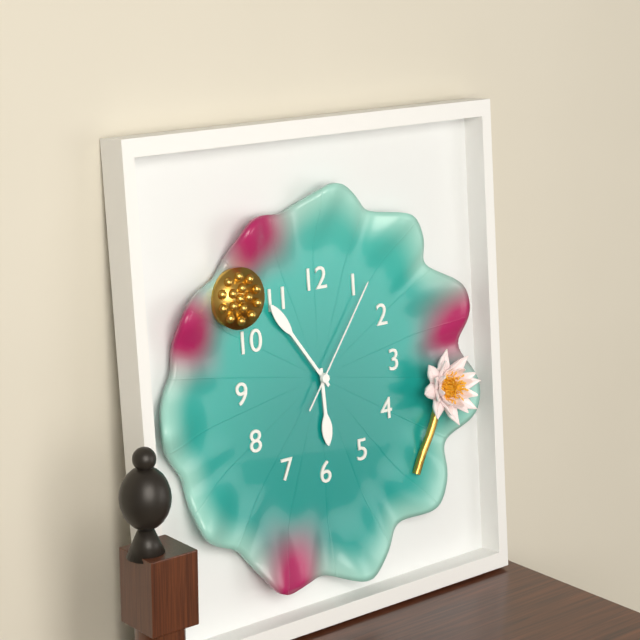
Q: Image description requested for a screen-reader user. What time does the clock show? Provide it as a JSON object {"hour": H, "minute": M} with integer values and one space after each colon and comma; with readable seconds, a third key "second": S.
{"hour": 5, "minute": 54, "second": 6}
